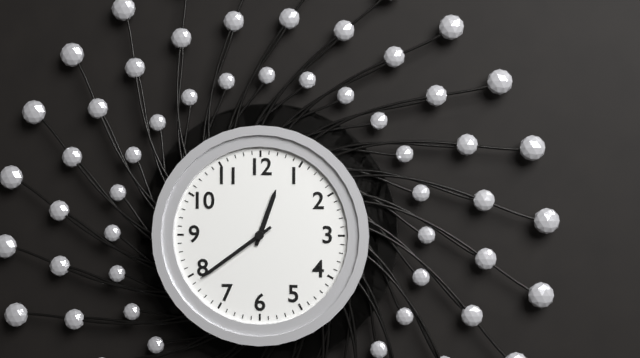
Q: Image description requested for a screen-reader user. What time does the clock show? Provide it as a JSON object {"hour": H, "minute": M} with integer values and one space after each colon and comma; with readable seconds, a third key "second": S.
{"hour": 12, "minute": 39}
